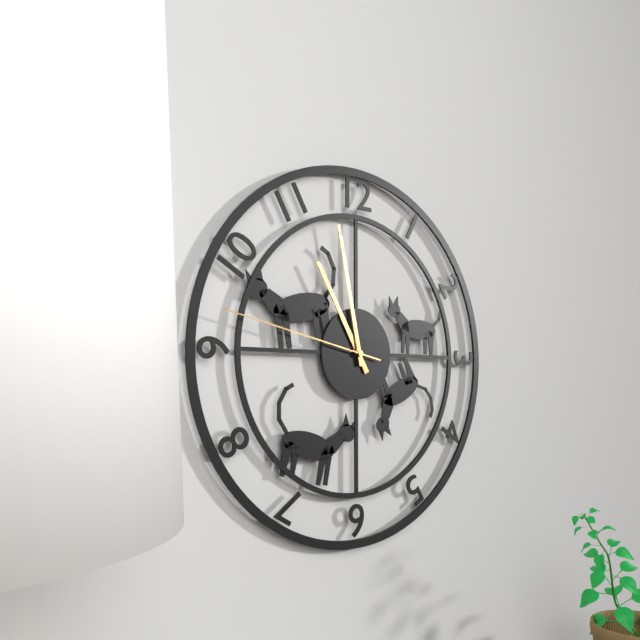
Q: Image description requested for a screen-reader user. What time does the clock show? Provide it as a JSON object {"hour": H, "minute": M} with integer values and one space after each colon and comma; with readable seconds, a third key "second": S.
{"hour": 10, "minute": 58, "second": 47}
